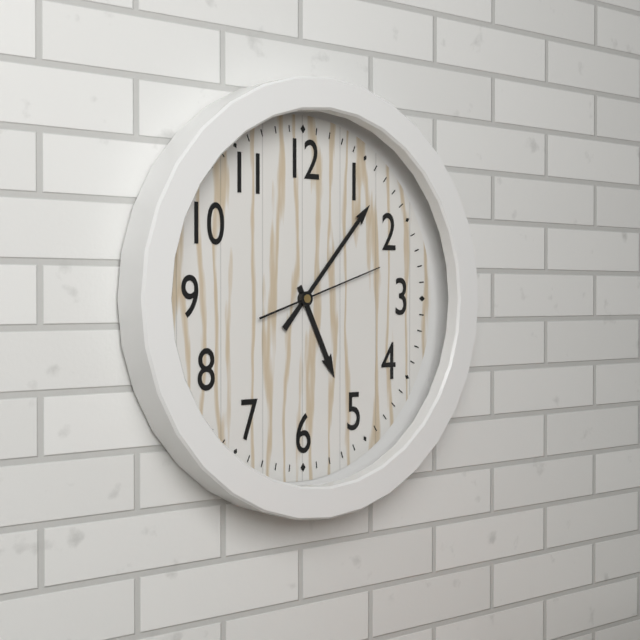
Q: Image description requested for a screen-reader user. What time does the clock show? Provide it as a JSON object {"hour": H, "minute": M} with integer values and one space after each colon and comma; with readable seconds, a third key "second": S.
{"hour": 5, "minute": 7, "second": 12}
